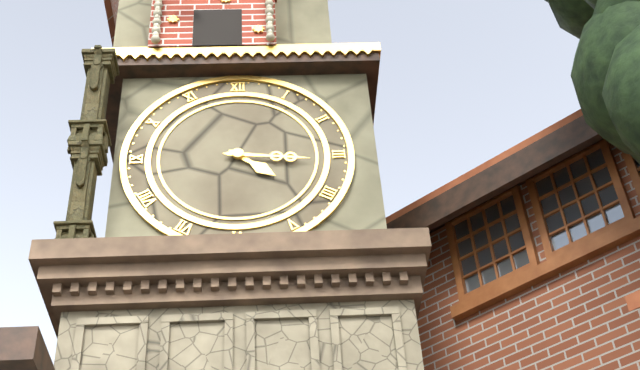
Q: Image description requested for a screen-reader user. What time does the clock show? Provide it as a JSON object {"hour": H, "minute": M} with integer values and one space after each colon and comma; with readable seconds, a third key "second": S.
{"hour": 4, "minute": 16}
